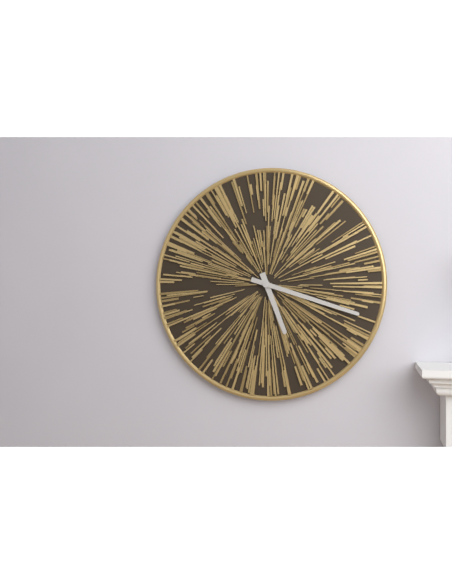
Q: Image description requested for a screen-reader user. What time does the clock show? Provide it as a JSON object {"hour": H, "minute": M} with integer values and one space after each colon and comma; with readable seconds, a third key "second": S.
{"hour": 5, "minute": 18}
